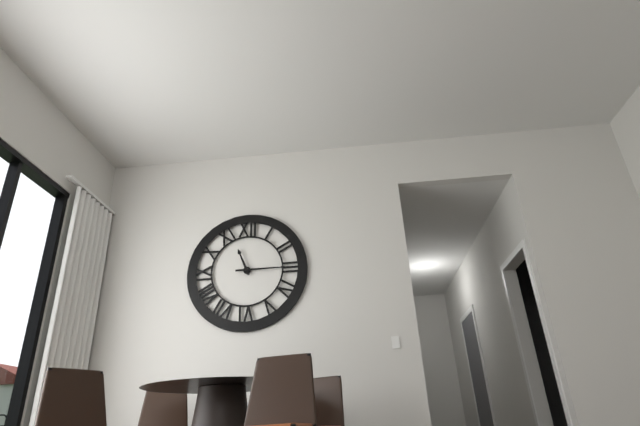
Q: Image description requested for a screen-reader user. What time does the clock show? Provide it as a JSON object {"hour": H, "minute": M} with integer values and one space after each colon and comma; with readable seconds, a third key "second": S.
{"hour": 11, "minute": 15}
